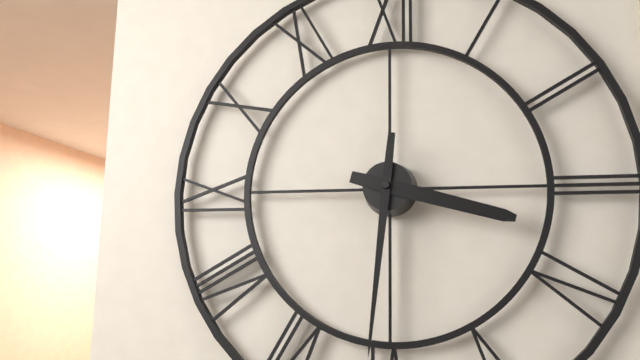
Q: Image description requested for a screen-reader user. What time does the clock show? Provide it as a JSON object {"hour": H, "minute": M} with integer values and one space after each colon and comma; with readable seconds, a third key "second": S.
{"hour": 3, "minute": 31}
